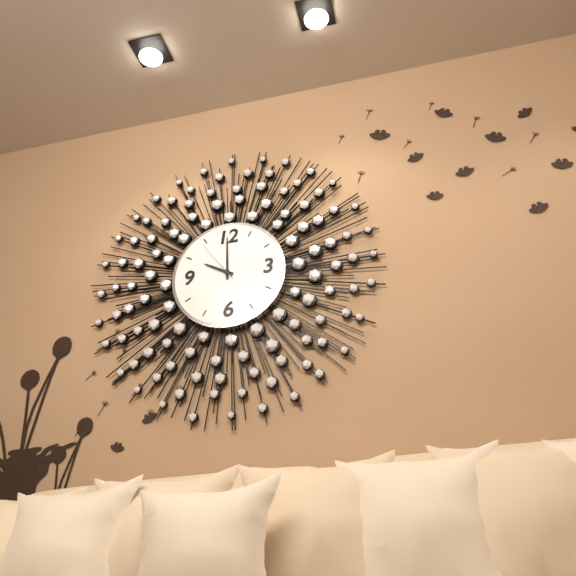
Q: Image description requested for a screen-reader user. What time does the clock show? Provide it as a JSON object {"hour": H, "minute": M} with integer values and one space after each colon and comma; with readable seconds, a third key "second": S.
{"hour": 10, "minute": 0}
